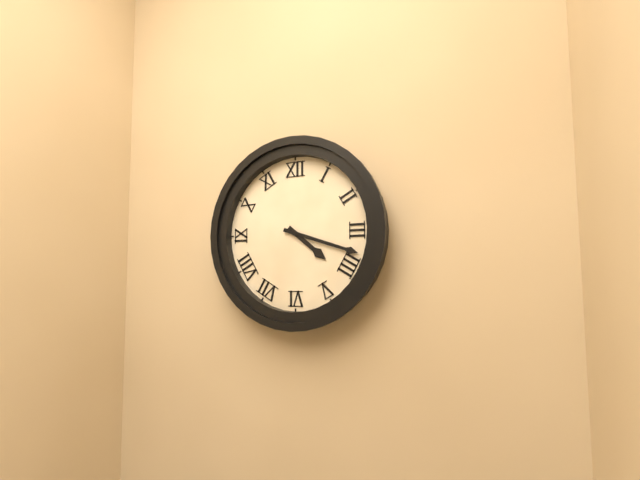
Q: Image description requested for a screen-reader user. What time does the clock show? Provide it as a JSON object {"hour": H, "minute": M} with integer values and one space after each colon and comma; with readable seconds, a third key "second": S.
{"hour": 4, "minute": 18}
